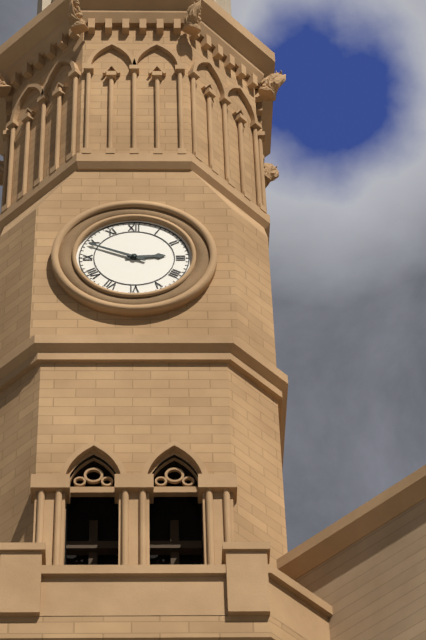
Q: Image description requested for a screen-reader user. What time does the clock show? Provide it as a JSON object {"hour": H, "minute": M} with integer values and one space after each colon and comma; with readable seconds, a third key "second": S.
{"hour": 2, "minute": 49}
